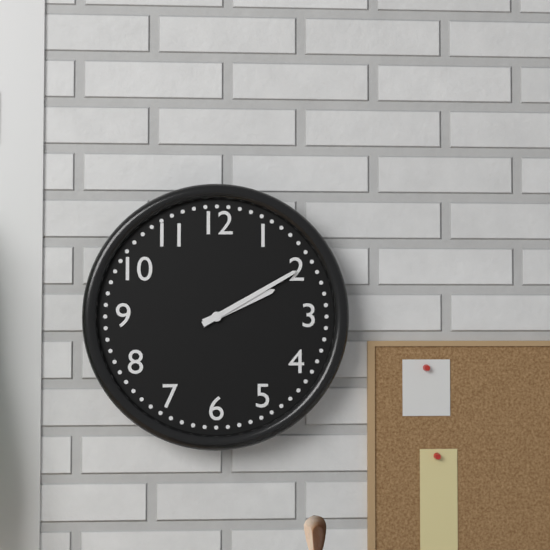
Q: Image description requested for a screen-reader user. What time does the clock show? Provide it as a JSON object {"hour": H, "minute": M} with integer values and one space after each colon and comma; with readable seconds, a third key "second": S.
{"hour": 2, "minute": 10}
